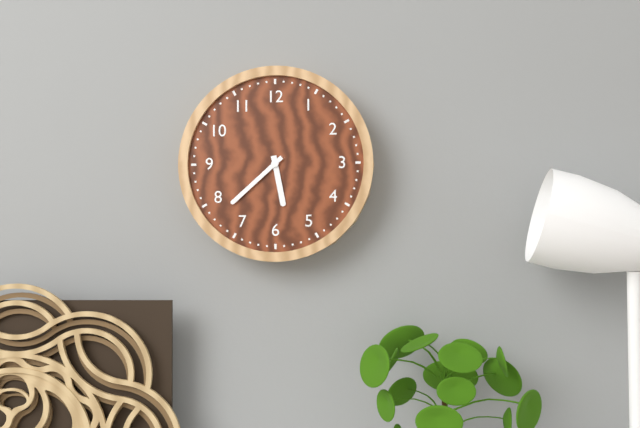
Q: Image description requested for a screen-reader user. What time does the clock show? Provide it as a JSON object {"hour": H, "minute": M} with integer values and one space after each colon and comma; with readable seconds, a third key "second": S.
{"hour": 5, "minute": 38}
